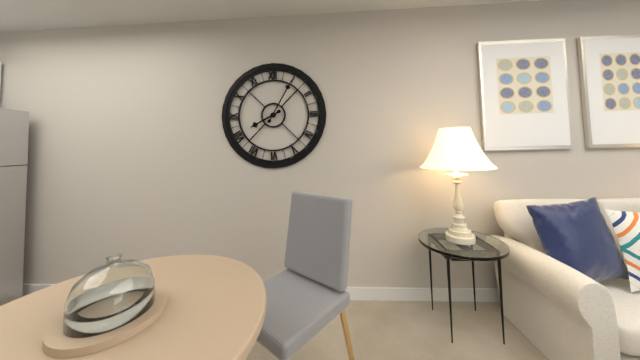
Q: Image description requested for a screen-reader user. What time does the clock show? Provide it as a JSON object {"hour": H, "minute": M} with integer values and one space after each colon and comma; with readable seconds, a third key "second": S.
{"hour": 8, "minute": 5}
